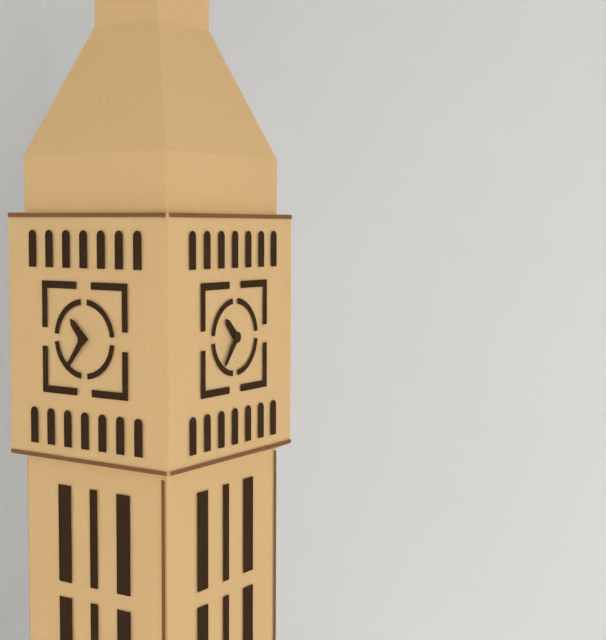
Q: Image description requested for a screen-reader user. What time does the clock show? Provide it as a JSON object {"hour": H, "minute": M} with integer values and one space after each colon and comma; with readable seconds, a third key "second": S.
{"hour": 10, "minute": 36}
